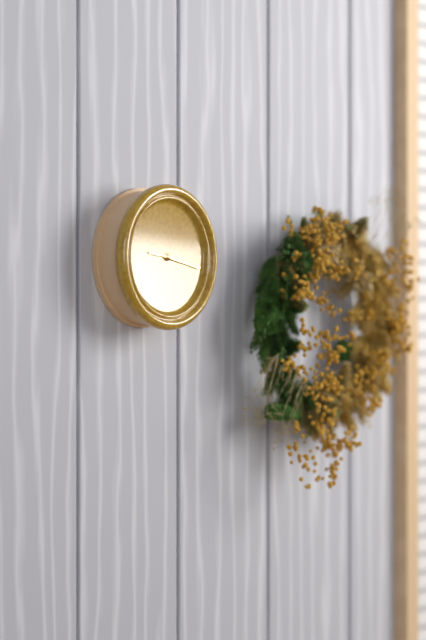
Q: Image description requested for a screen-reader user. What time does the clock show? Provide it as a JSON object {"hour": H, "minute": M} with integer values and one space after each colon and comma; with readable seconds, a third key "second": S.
{"hour": 9, "minute": 17}
